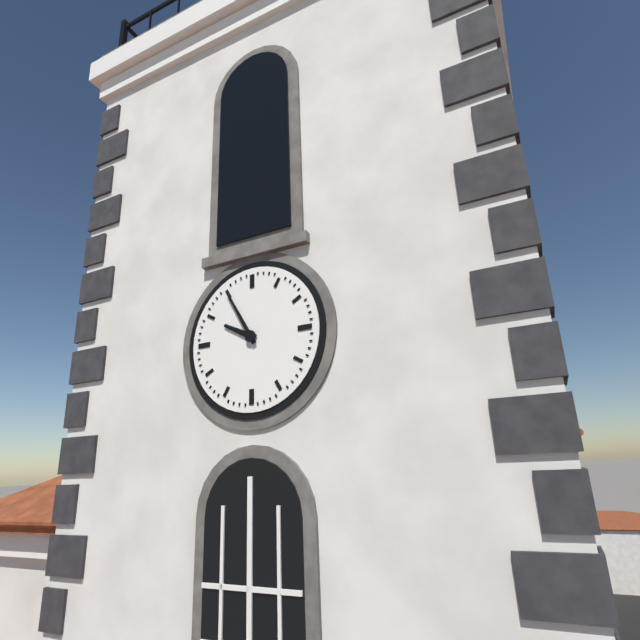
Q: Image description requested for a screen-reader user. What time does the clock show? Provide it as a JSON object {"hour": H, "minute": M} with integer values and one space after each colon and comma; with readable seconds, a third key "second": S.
{"hour": 9, "minute": 55}
